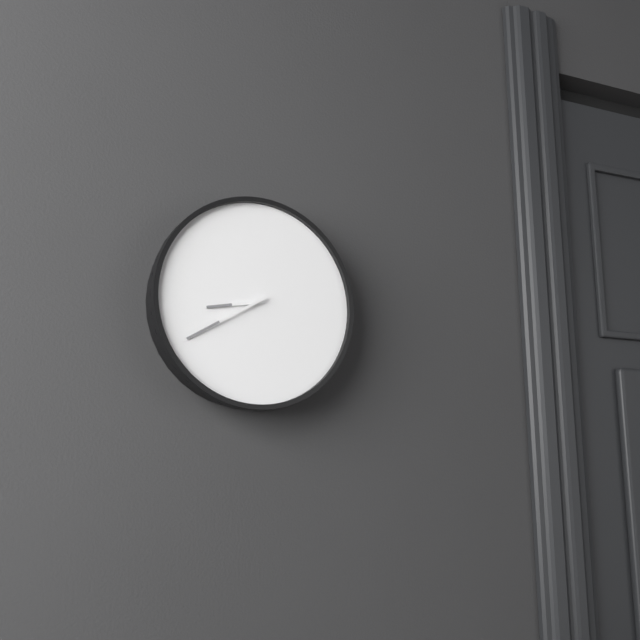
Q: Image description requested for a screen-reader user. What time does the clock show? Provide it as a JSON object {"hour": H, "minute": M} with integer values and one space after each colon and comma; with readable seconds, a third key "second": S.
{"hour": 8, "minute": 40}
